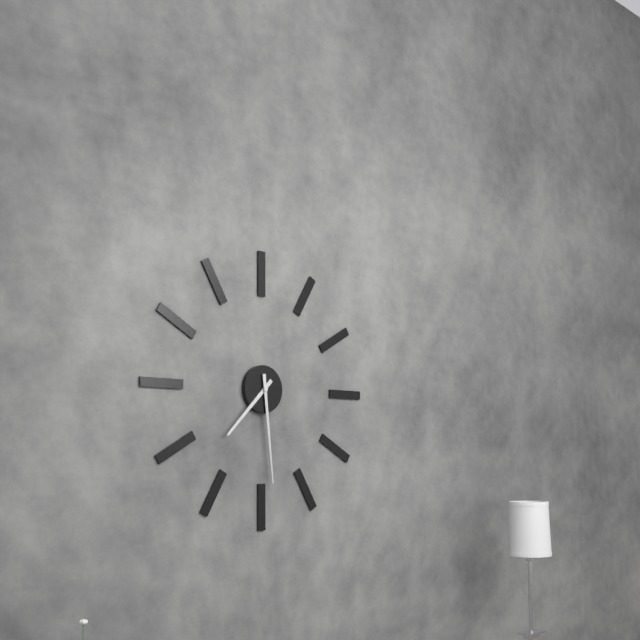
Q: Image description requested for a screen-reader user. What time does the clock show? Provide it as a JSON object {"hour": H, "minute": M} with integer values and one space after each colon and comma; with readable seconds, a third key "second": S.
{"hour": 7, "minute": 29}
